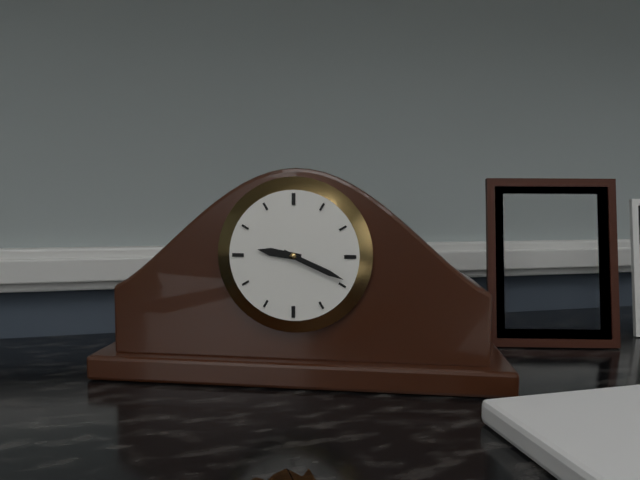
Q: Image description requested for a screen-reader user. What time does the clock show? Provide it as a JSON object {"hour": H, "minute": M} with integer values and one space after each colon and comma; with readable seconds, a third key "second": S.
{"hour": 9, "minute": 19}
